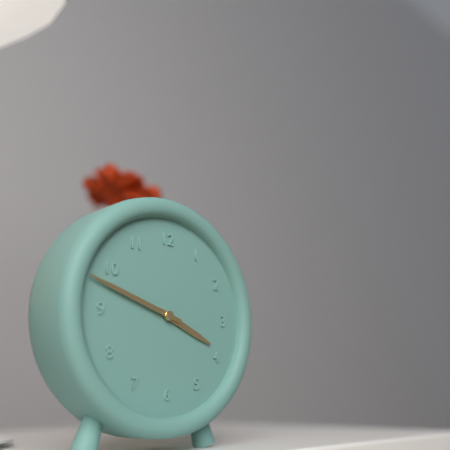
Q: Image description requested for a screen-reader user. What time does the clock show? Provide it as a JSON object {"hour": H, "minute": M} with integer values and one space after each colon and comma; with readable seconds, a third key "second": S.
{"hour": 3, "minute": 48}
